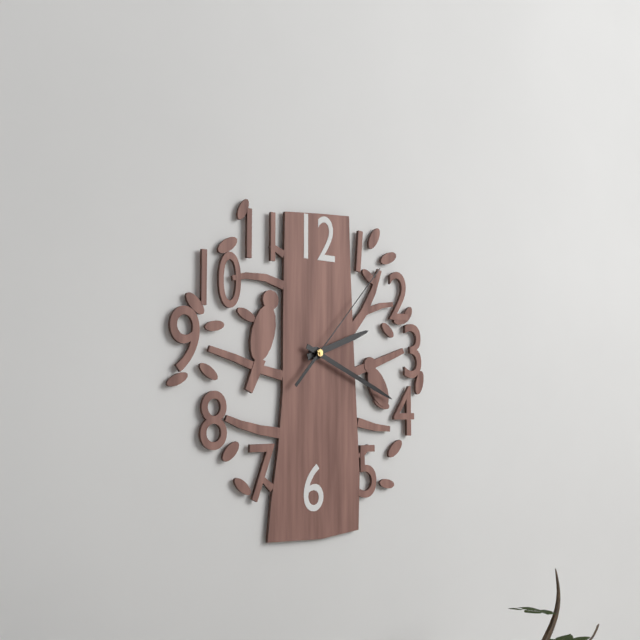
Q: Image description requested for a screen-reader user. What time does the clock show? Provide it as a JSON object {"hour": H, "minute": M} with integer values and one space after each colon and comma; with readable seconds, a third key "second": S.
{"hour": 2, "minute": 19, "second": 7}
